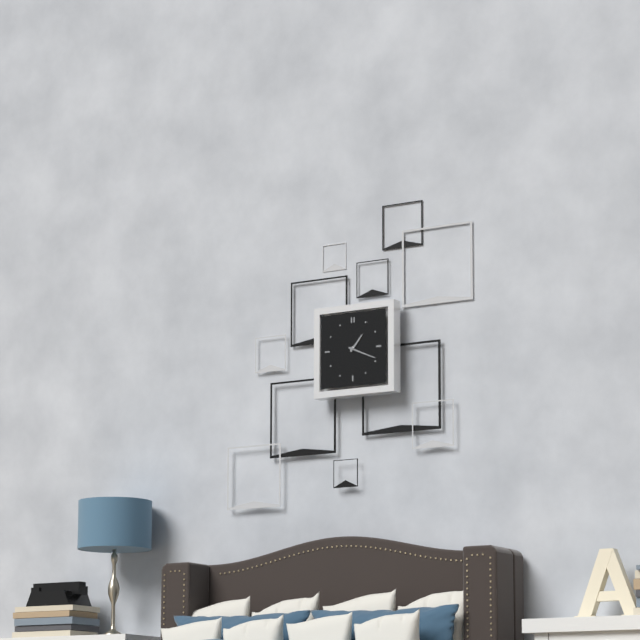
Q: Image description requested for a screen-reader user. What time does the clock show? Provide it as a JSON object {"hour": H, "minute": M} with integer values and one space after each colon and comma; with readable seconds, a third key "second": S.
{"hour": 1, "minute": 19}
